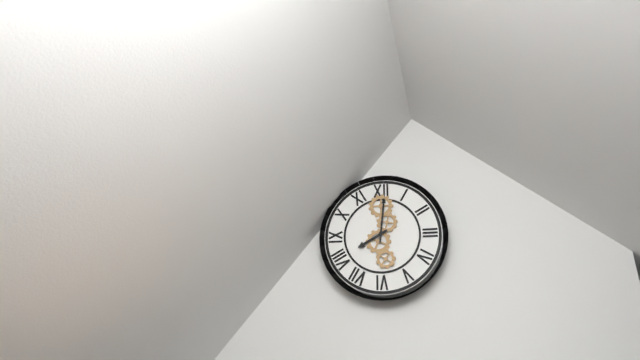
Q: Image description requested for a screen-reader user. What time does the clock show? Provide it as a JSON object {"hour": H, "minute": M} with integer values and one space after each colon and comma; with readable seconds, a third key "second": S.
{"hour": 8, "minute": 1}
